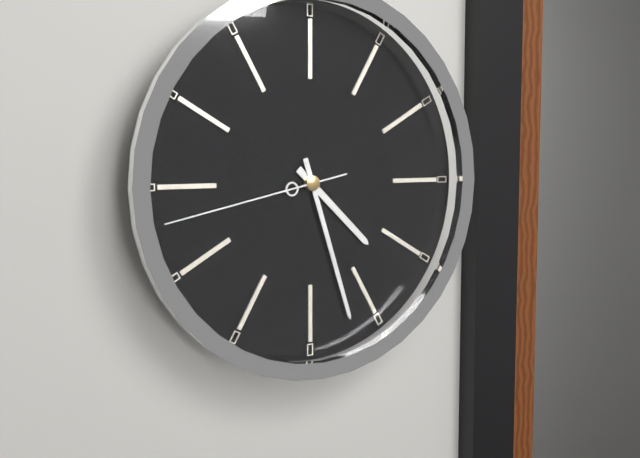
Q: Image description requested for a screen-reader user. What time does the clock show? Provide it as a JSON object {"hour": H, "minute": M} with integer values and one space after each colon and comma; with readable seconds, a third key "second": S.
{"hour": 4, "minute": 27, "second": 43}
